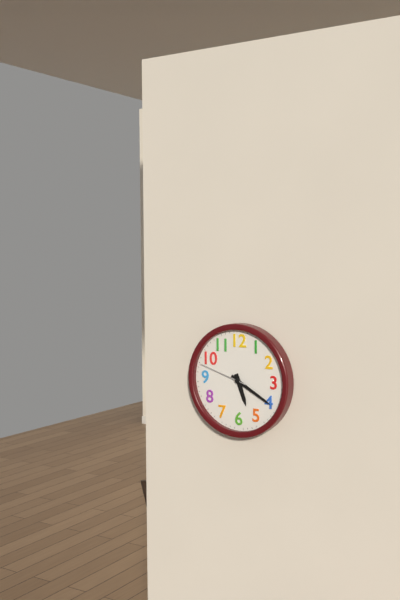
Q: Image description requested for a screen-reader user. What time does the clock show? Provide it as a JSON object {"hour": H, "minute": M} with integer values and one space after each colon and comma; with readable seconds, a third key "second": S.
{"hour": 5, "minute": 20, "second": 48}
